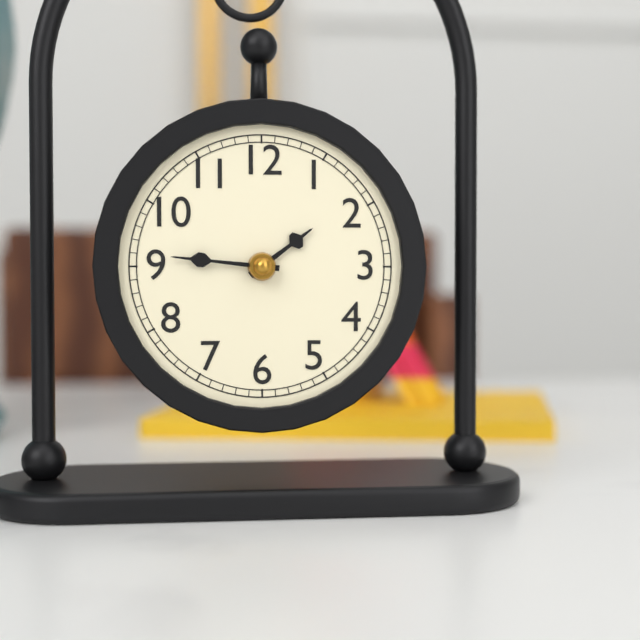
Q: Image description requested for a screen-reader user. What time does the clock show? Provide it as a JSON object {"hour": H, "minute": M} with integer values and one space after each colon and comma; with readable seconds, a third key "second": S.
{"hour": 1, "minute": 46}
